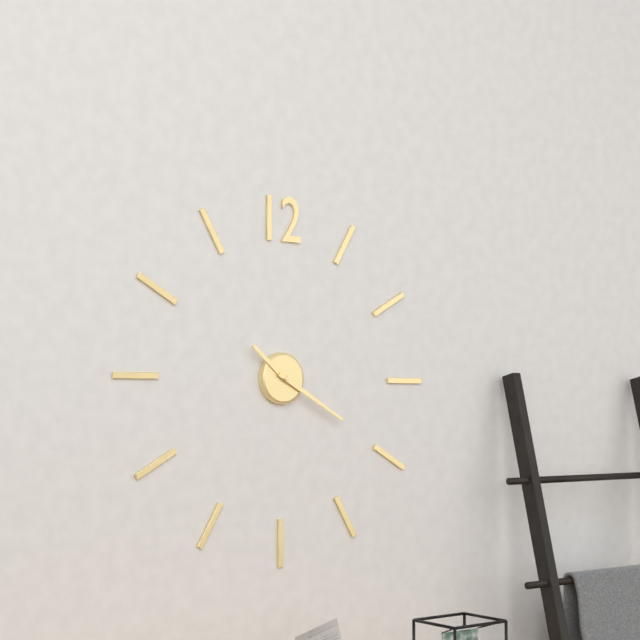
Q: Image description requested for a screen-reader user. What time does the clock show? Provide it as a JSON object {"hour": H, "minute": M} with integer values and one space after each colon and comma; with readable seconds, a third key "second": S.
{"hour": 10, "minute": 20}
